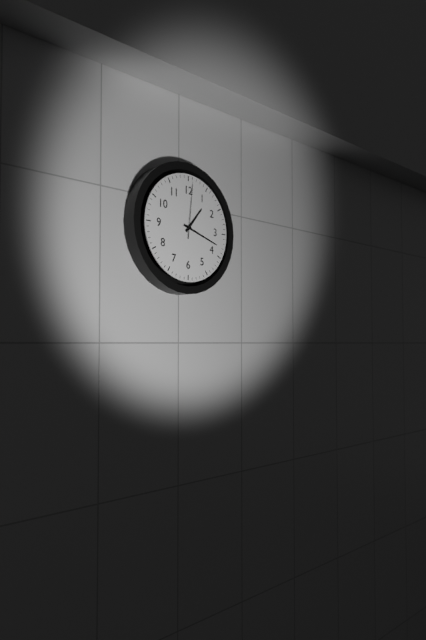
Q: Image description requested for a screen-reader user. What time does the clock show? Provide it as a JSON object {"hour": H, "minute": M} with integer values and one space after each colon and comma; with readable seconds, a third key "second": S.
{"hour": 1, "minute": 18, "second": 1}
